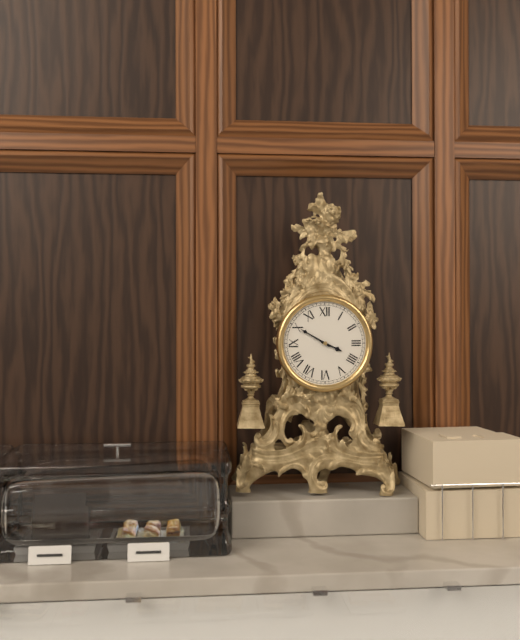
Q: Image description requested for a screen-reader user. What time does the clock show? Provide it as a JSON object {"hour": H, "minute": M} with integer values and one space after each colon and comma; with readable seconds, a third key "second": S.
{"hour": 3, "minute": 50}
